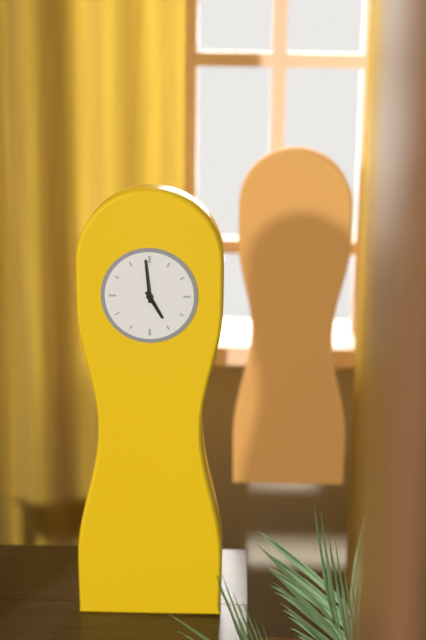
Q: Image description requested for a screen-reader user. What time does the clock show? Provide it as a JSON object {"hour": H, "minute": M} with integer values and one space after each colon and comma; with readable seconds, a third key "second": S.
{"hour": 4, "minute": 59}
